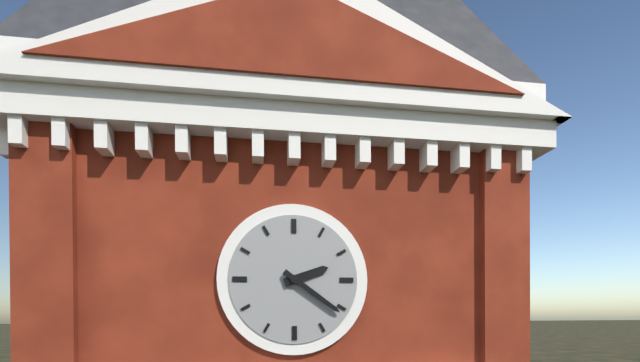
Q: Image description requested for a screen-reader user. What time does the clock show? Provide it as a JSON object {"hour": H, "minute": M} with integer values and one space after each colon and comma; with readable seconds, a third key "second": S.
{"hour": 2, "minute": 21}
